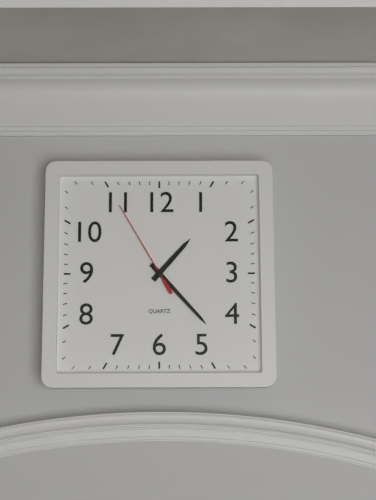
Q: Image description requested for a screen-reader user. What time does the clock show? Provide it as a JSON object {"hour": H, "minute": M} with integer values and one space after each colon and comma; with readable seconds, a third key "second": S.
{"hour": 1, "minute": 23, "second": 55}
